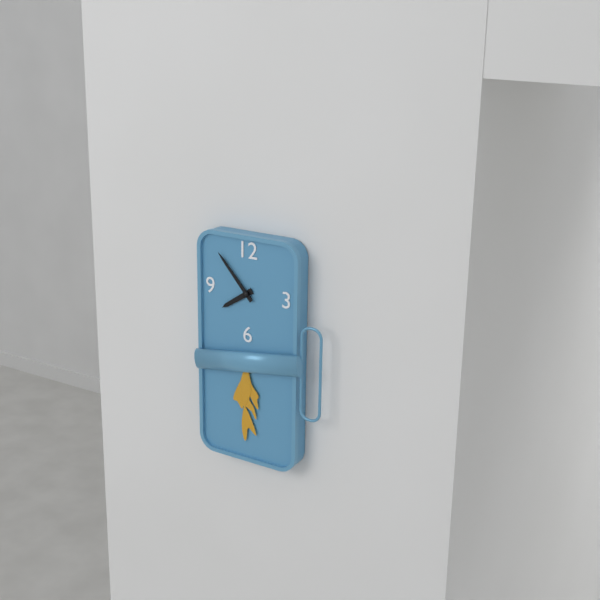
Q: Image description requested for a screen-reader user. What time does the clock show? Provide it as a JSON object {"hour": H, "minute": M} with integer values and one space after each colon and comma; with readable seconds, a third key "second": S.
{"hour": 7, "minute": 53}
